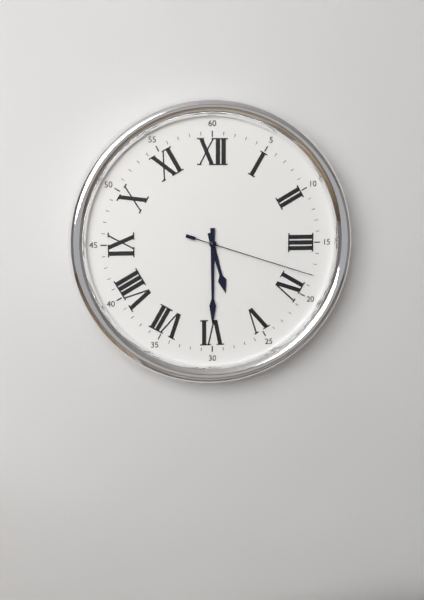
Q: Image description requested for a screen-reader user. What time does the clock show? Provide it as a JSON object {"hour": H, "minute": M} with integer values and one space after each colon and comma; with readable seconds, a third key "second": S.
{"hour": 5, "minute": 30, "second": 18}
